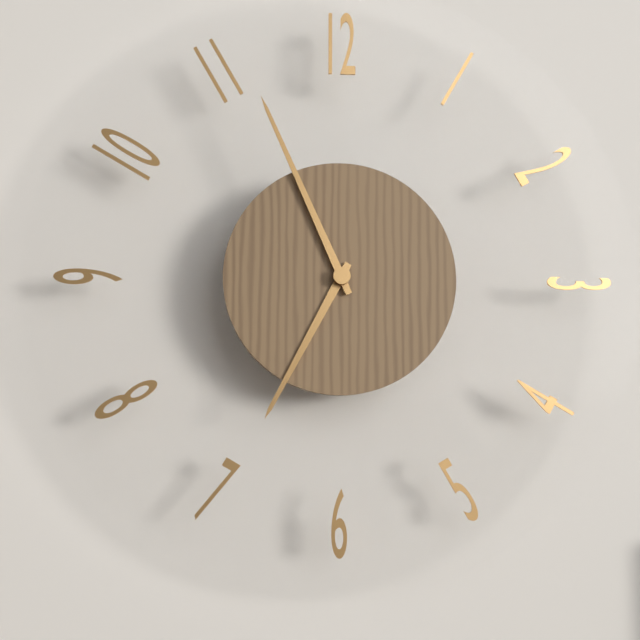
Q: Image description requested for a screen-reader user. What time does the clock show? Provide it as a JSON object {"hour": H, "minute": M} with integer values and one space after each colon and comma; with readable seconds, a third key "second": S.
{"hour": 6, "minute": 56}
